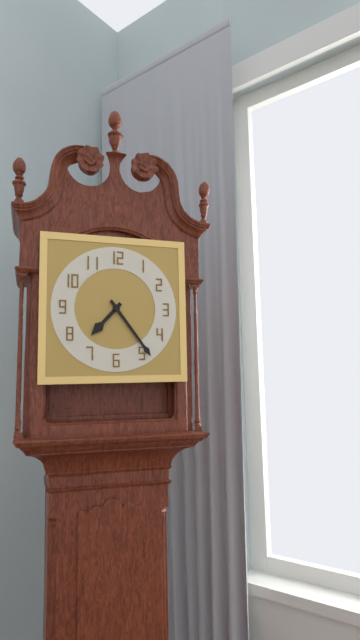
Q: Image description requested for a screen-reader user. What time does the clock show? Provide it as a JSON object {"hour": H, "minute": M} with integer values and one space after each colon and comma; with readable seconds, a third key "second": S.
{"hour": 7, "minute": 24}
